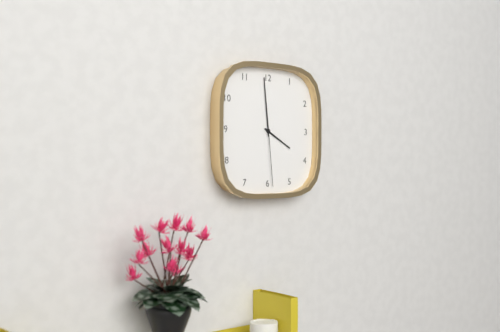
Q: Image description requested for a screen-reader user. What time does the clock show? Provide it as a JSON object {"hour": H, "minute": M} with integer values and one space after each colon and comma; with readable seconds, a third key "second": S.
{"hour": 3, "minute": 59, "second": 29}
